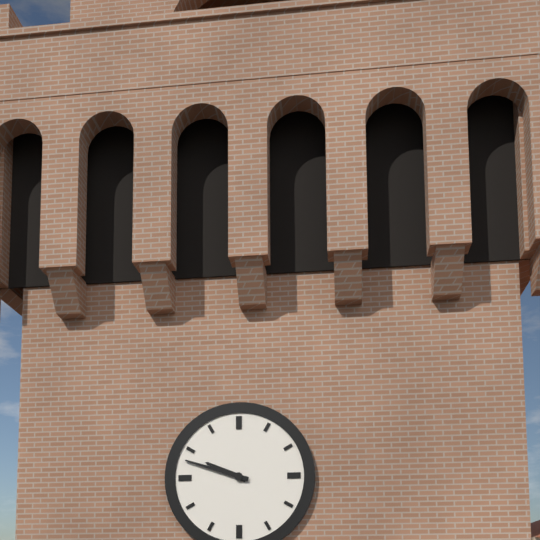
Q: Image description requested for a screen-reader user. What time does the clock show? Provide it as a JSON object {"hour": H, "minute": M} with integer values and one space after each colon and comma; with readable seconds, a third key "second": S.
{"hour": 9, "minute": 48}
